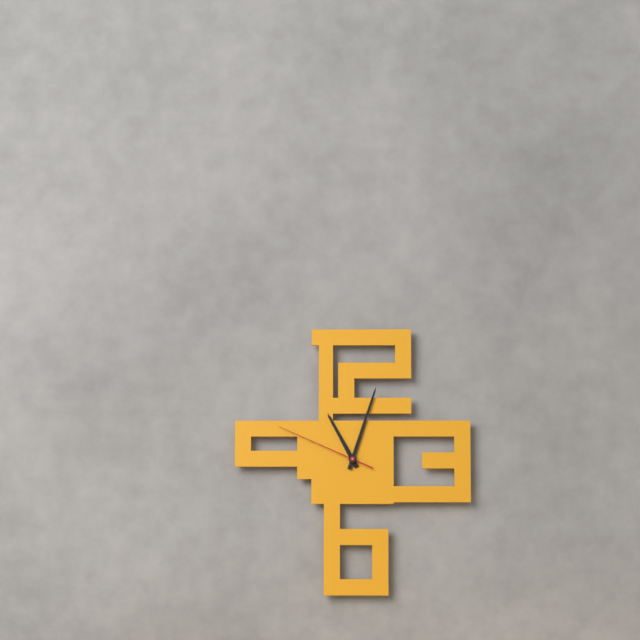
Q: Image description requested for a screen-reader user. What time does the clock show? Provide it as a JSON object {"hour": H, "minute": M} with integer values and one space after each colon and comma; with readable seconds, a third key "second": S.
{"hour": 11, "minute": 3, "second": 49}
